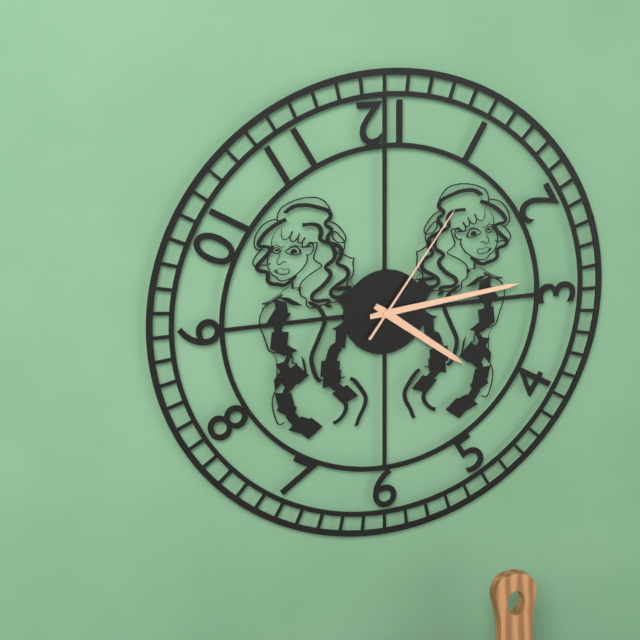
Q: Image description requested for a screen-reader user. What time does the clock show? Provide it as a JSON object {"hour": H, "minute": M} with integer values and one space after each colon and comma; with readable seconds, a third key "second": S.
{"hour": 4, "minute": 14, "second": 6}
